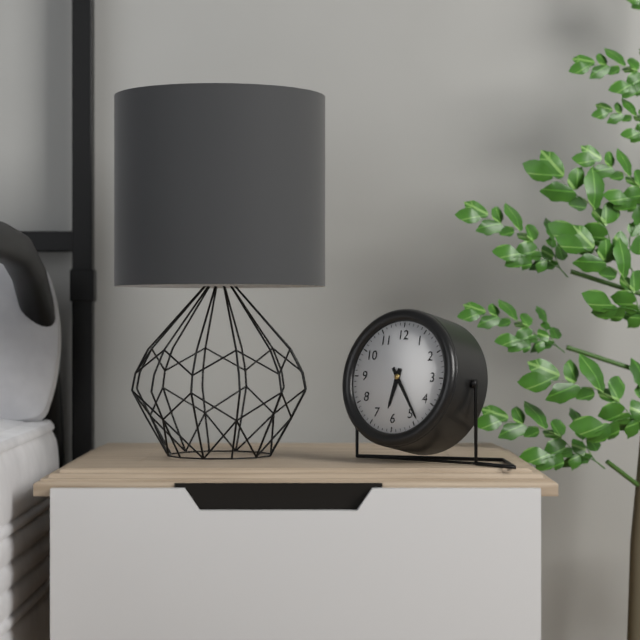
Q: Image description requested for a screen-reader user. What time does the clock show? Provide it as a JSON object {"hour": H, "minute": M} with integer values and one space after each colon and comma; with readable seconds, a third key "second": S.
{"hour": 6, "minute": 24}
